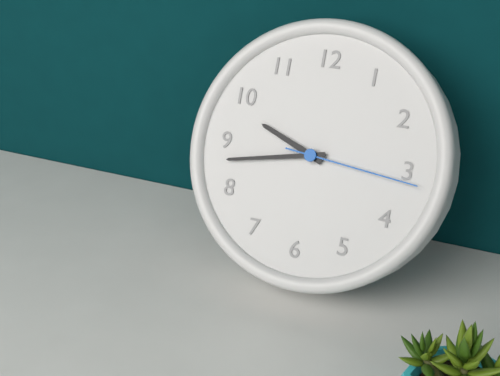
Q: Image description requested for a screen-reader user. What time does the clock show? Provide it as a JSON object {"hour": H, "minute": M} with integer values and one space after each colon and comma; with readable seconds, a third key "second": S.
{"hour": 9, "minute": 43, "second": 16}
